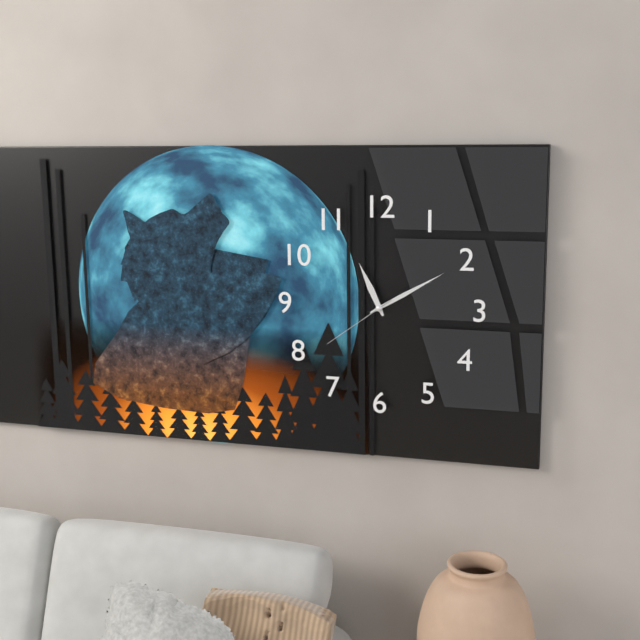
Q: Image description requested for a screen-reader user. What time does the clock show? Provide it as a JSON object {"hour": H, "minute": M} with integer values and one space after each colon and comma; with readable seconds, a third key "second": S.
{"hour": 11, "minute": 10, "second": 39}
